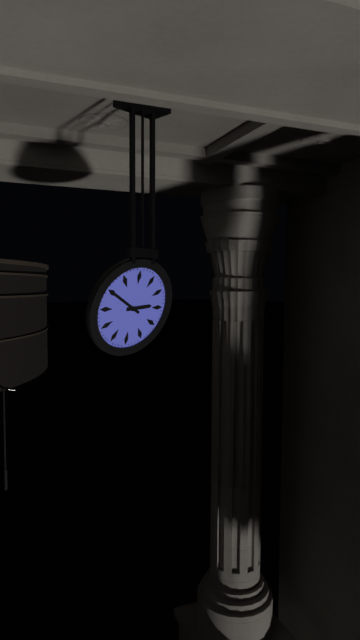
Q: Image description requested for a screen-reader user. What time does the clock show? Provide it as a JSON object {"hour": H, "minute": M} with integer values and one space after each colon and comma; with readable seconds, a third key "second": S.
{"hour": 2, "minute": 50}
